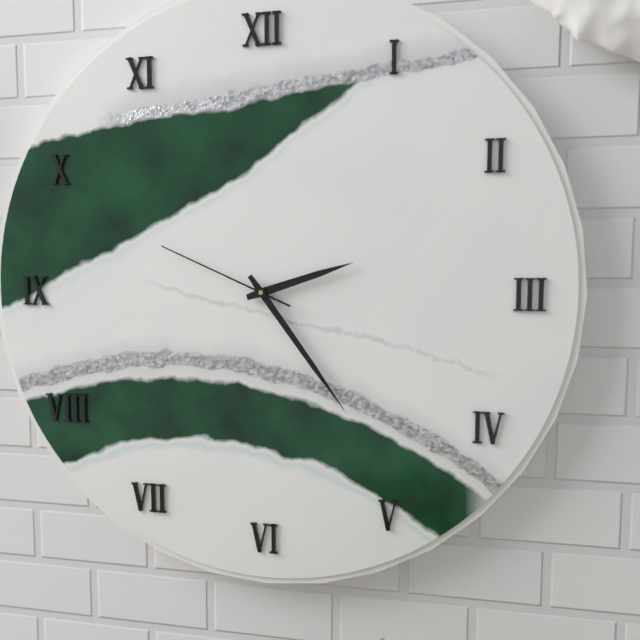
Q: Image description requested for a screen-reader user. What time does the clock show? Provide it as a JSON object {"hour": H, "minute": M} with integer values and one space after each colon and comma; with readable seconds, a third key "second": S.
{"hour": 2, "minute": 24, "second": 49}
